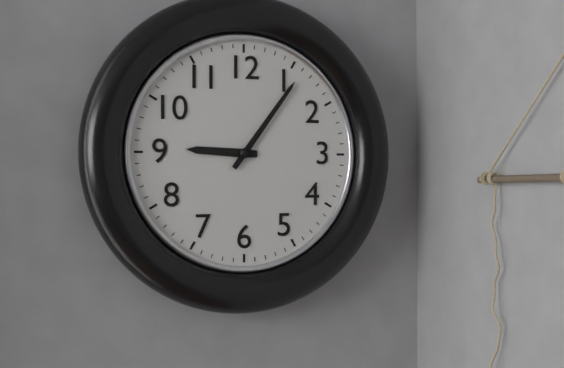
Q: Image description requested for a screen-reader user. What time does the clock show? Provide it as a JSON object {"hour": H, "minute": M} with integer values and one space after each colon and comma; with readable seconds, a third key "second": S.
{"hour": 9, "minute": 6}
